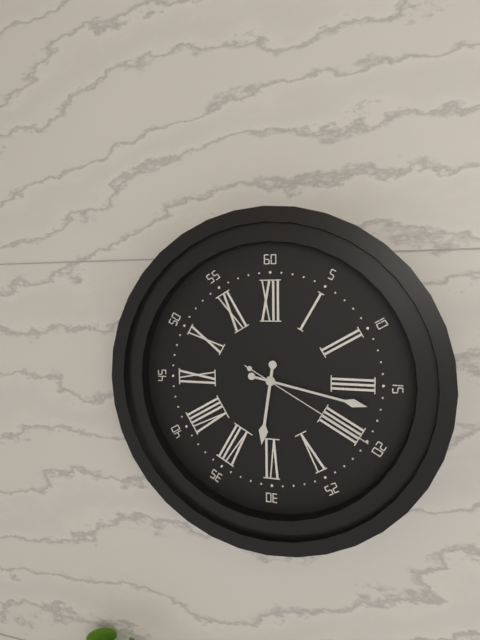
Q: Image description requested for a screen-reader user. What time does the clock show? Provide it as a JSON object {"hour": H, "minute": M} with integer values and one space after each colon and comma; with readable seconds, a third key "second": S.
{"hour": 6, "minute": 17, "second": 20}
